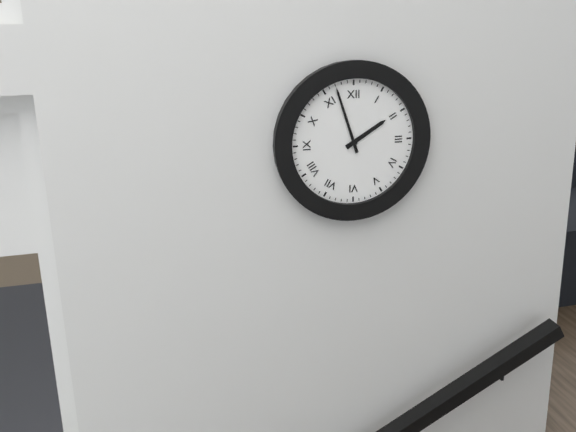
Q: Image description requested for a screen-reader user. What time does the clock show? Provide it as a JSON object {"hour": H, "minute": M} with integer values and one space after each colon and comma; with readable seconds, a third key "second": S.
{"hour": 1, "minute": 57}
